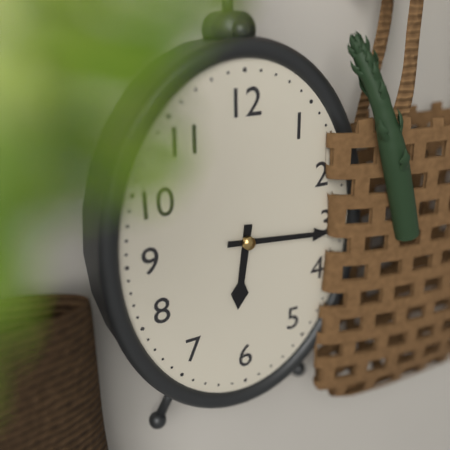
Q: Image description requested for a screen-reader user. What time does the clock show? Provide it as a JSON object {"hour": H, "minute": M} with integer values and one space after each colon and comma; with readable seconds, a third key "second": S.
{"hour": 6, "minute": 16}
